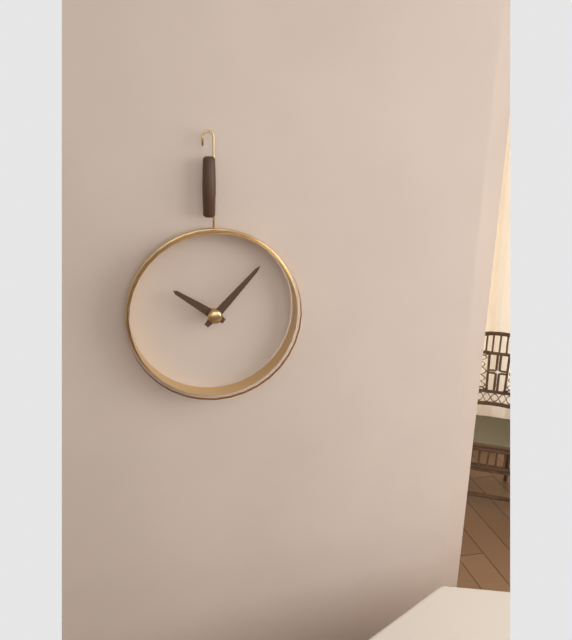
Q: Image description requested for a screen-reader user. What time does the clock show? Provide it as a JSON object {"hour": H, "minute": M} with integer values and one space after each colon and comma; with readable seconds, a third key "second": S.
{"hour": 10, "minute": 7}
